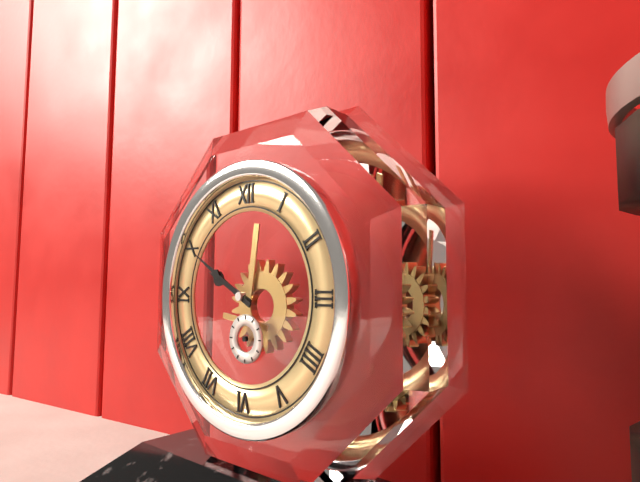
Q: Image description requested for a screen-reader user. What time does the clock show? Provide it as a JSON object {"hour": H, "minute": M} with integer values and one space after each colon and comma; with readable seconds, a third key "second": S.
{"hour": 9, "minute": 50}
